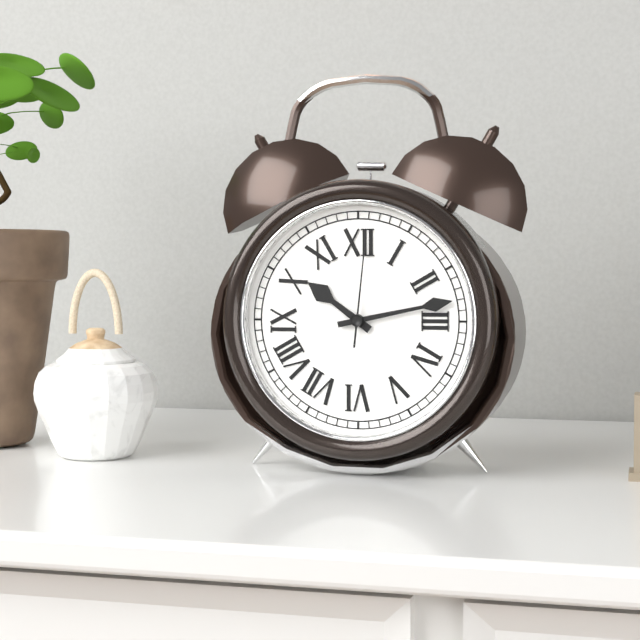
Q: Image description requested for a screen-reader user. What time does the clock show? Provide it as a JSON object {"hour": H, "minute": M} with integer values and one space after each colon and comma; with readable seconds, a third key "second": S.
{"hour": 10, "minute": 13, "second": 1}
